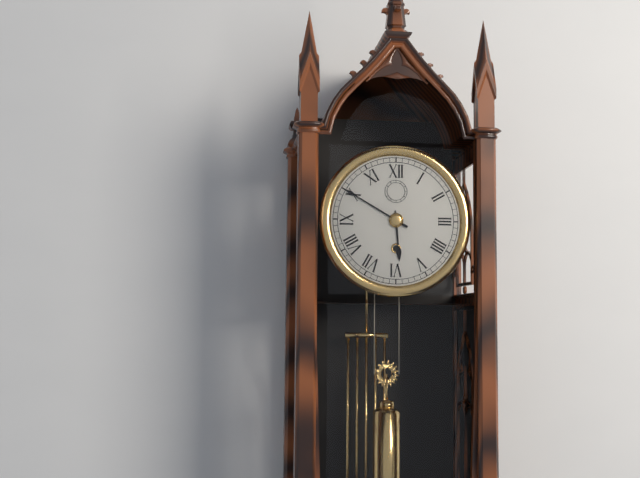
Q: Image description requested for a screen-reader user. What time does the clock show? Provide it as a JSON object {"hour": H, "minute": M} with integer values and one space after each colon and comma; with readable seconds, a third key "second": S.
{"hour": 5, "minute": 50}
